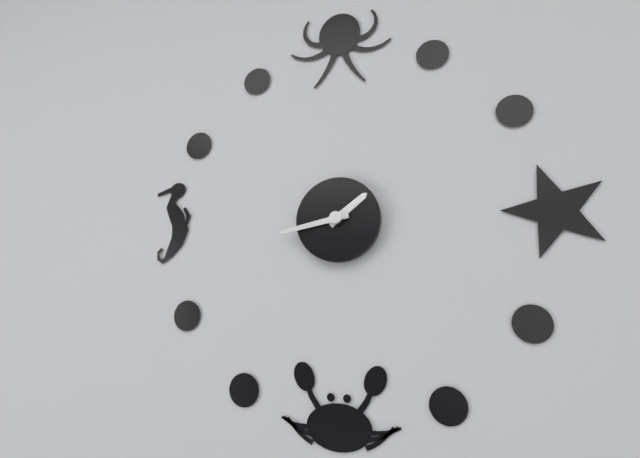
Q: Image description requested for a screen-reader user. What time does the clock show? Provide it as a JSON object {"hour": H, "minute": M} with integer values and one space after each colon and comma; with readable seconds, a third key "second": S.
{"hour": 1, "minute": 43}
